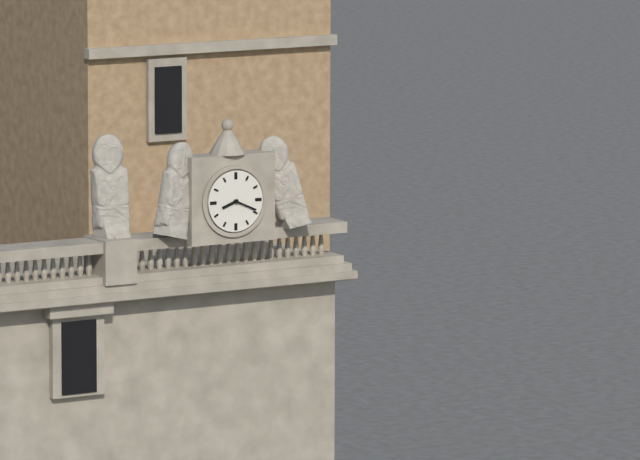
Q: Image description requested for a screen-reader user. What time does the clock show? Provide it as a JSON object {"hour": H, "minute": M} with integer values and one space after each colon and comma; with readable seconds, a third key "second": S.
{"hour": 8, "minute": 19}
